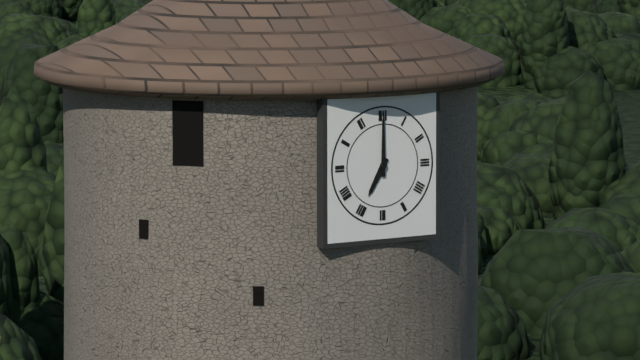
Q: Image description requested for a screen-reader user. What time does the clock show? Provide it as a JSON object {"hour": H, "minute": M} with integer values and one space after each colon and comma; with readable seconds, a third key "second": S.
{"hour": 7, "minute": 0}
